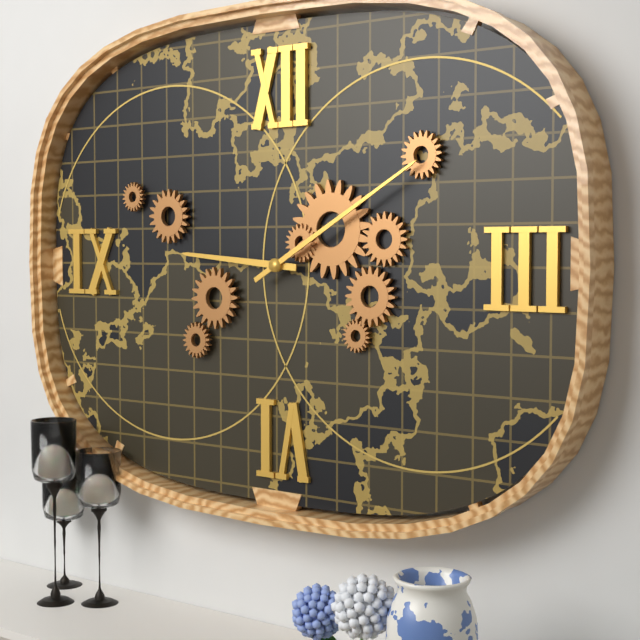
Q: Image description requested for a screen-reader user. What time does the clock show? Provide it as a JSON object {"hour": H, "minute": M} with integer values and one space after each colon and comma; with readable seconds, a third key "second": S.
{"hour": 9, "minute": 10}
